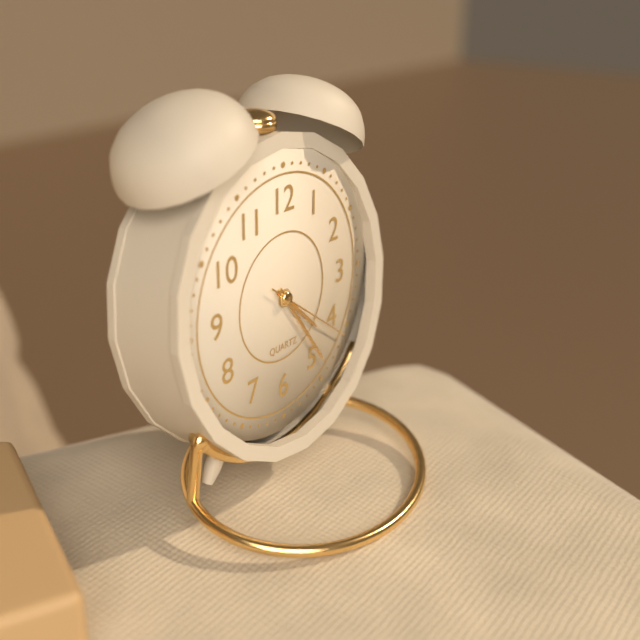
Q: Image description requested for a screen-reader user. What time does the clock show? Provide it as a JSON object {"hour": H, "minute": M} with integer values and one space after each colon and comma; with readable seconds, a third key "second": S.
{"hour": 4, "minute": 24, "second": 21}
